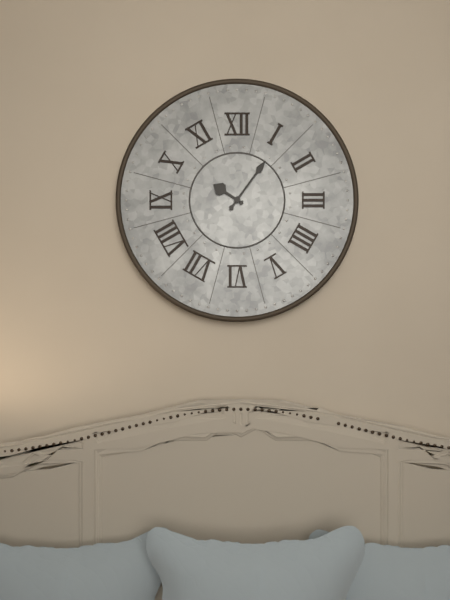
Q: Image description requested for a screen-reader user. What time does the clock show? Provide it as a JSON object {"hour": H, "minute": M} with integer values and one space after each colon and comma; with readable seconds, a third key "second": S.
{"hour": 10, "minute": 6}
